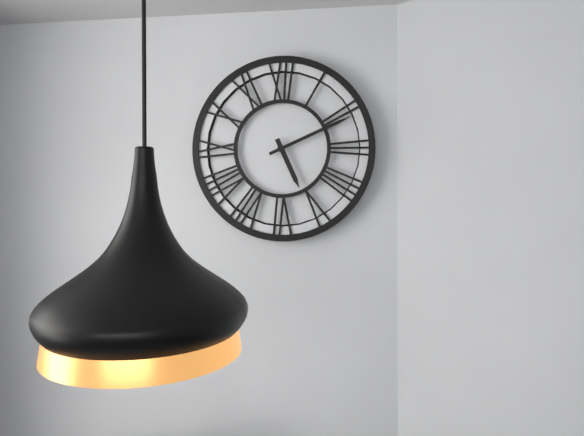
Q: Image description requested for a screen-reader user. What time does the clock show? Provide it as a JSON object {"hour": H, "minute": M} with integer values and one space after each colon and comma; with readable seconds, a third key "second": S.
{"hour": 5, "minute": 11}
